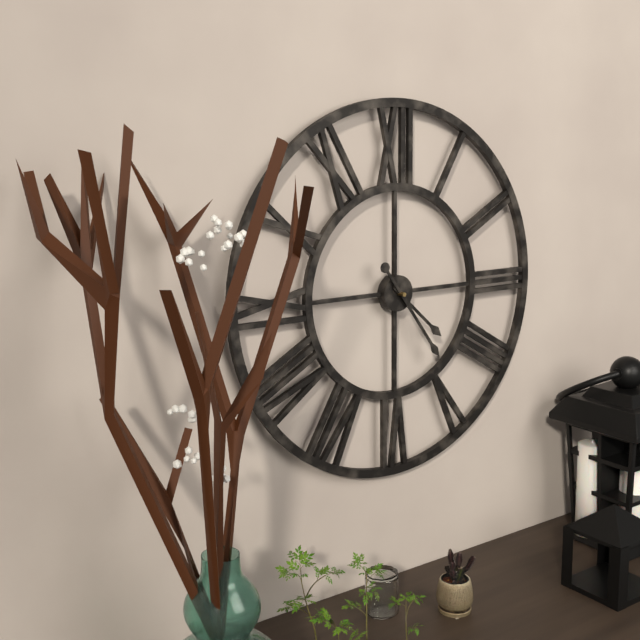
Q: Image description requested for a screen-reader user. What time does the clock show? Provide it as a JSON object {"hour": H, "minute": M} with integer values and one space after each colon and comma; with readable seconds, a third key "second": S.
{"hour": 4, "minute": 24}
